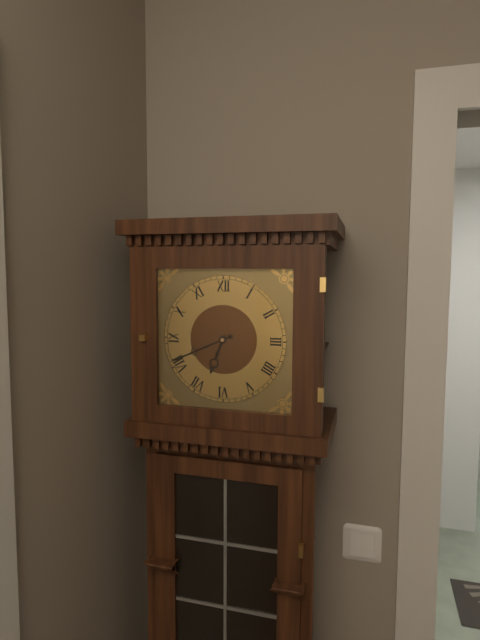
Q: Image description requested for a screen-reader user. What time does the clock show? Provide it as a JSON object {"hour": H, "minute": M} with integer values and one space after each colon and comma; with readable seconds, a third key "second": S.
{"hour": 6, "minute": 41}
